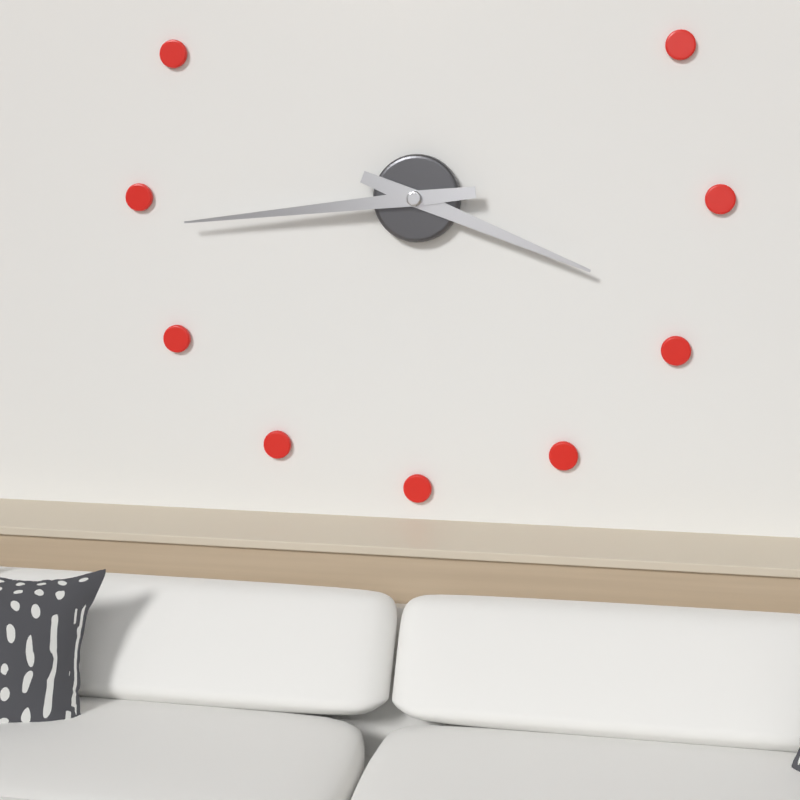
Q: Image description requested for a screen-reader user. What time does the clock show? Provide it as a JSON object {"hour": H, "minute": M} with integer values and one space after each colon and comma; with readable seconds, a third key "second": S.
{"hour": 3, "minute": 44}
